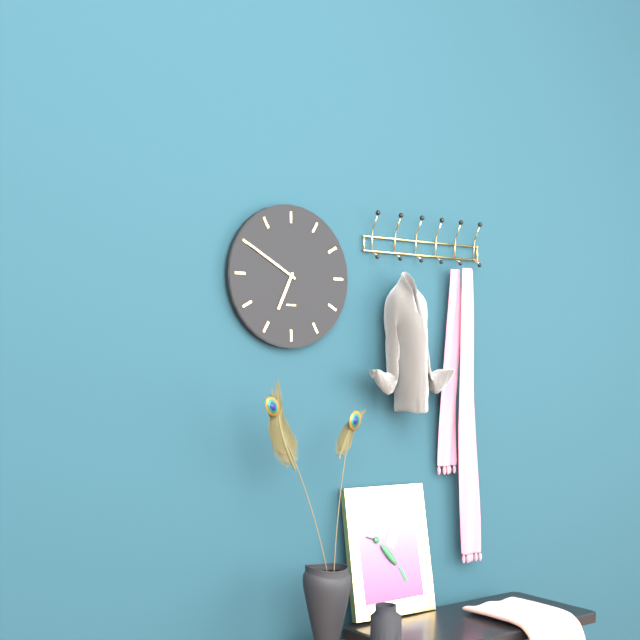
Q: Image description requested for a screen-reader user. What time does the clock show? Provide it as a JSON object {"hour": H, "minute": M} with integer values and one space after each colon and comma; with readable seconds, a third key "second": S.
{"hour": 6, "minute": 50}
